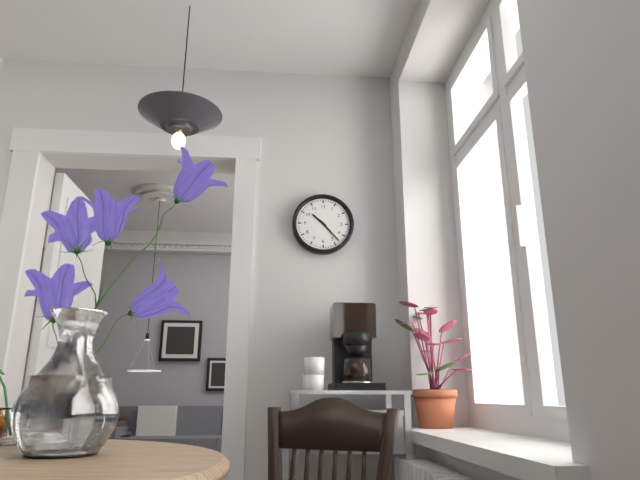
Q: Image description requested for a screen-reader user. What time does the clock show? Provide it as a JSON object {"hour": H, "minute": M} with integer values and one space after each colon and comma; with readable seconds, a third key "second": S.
{"hour": 10, "minute": 23}
